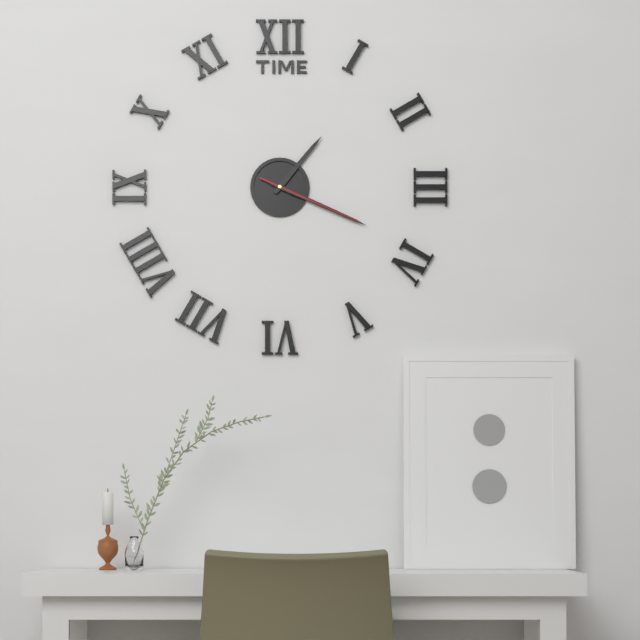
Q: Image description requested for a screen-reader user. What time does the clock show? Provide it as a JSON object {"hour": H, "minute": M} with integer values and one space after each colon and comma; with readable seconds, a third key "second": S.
{"hour": 1, "minute": 19, "second": 19}
